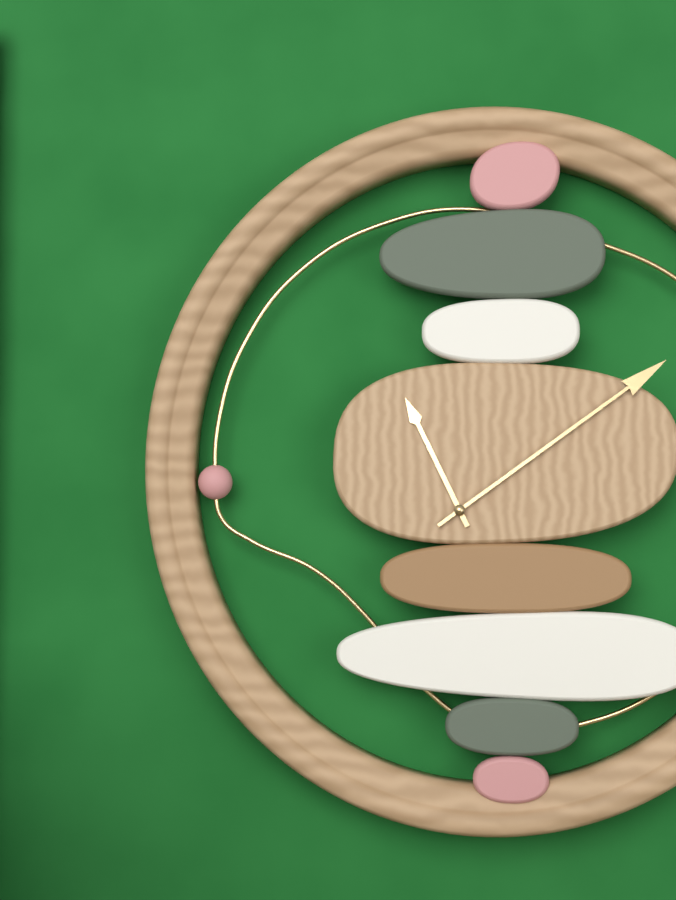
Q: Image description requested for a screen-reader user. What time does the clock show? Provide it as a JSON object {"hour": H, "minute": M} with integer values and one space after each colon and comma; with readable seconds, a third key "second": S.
{"hour": 11, "minute": 9}
